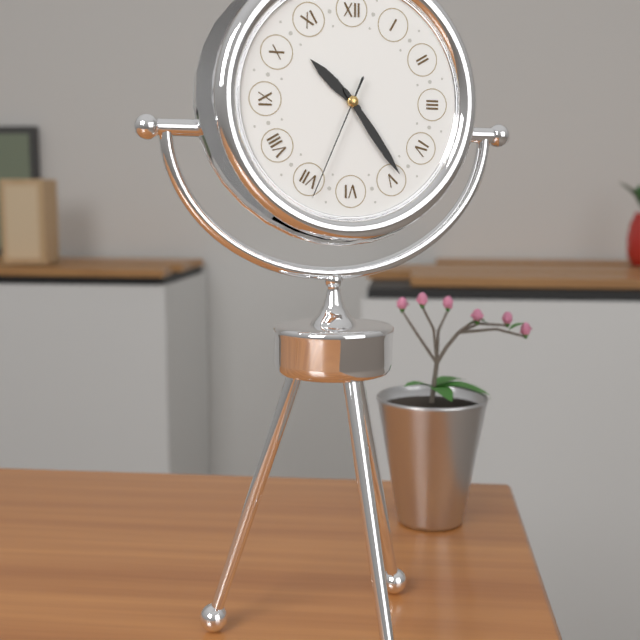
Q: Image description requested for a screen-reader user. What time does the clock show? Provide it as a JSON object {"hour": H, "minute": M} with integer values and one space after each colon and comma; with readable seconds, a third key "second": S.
{"hour": 10, "minute": 24, "second": 34}
